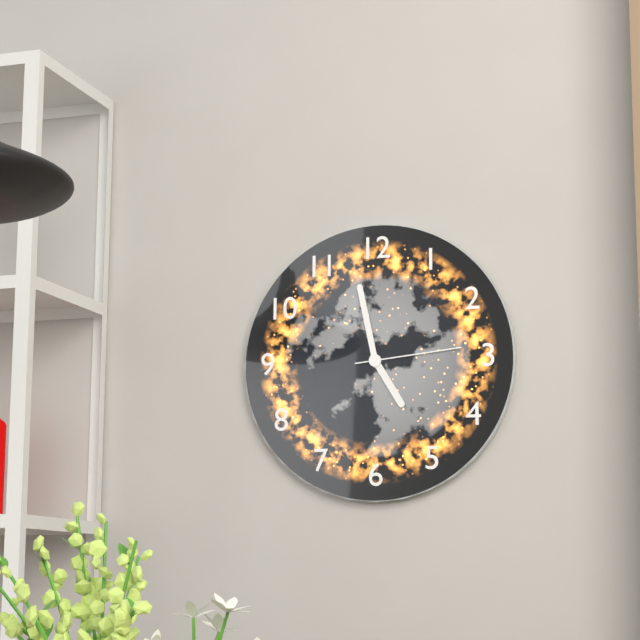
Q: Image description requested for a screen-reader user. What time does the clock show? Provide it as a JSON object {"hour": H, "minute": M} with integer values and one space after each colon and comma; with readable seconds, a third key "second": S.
{"hour": 4, "minute": 58, "second": 14}
